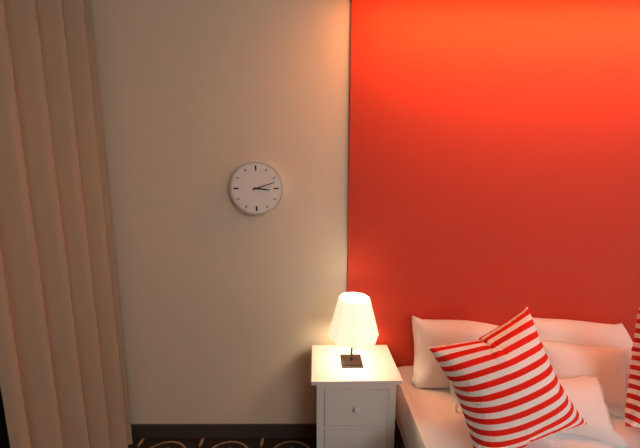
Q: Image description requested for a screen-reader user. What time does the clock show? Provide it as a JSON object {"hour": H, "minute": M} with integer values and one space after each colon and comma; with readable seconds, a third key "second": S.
{"hour": 3, "minute": 12}
